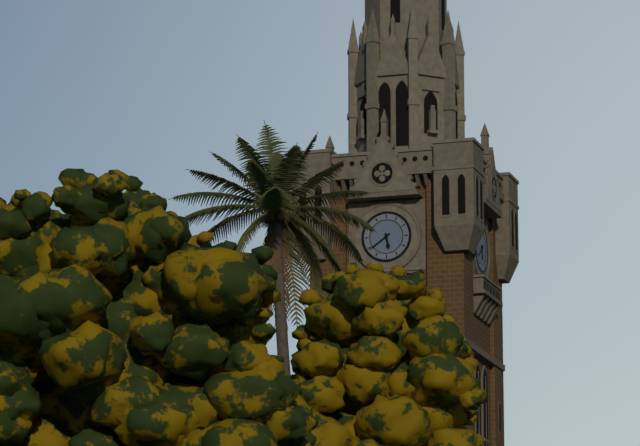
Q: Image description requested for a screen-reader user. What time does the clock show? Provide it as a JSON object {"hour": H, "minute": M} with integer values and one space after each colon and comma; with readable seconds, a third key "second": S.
{"hour": 5, "minute": 39}
